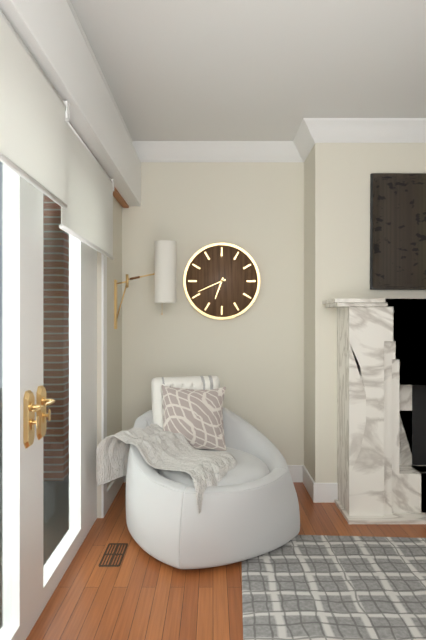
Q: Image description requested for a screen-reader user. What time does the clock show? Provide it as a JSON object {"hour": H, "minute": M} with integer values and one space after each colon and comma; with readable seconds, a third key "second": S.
{"hour": 6, "minute": 41}
